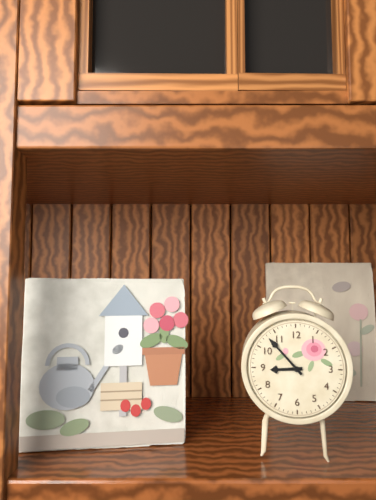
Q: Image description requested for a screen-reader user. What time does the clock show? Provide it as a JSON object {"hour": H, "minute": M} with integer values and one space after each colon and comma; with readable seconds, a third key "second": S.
{"hour": 8, "minute": 53}
